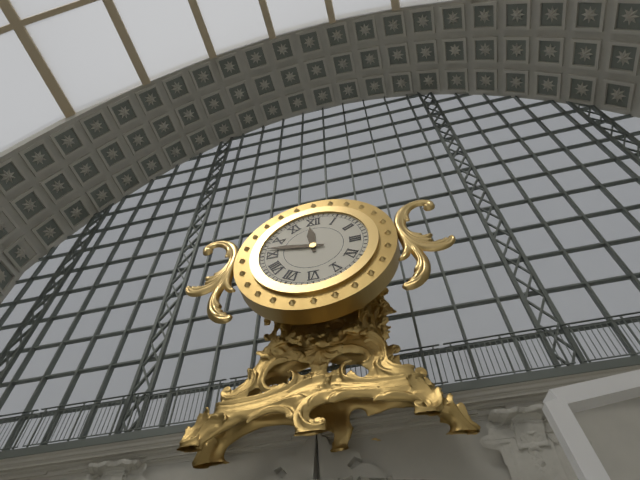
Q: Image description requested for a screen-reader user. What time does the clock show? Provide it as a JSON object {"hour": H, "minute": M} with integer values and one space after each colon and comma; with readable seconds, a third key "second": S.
{"hour": 11, "minute": 47}
